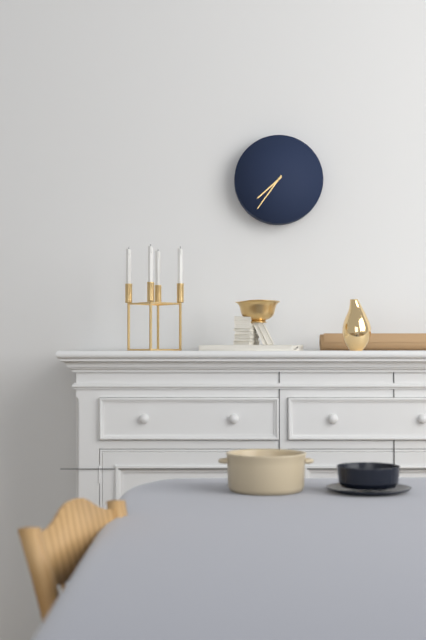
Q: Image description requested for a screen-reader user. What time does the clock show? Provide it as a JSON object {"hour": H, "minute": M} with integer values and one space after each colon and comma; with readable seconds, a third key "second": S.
{"hour": 7, "minute": 36}
